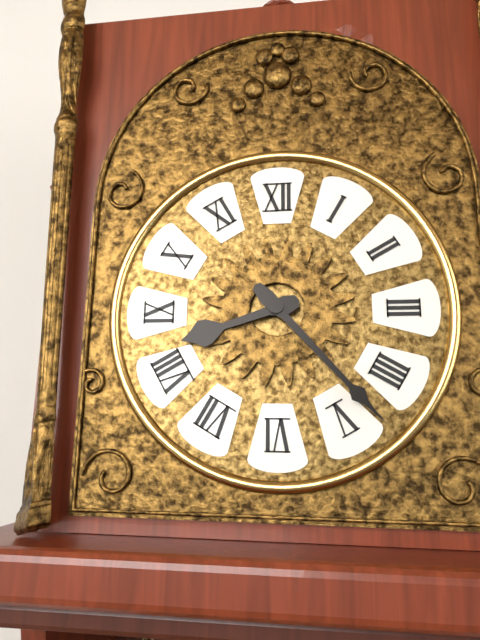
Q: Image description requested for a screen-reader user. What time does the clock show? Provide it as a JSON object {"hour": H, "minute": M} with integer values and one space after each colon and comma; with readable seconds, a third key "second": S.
{"hour": 8, "minute": 23}
